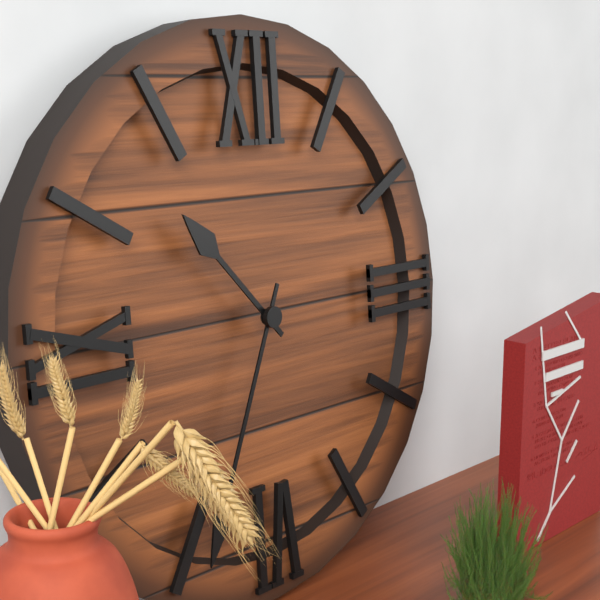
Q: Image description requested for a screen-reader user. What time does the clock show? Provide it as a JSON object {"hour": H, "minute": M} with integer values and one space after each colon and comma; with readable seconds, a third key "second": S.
{"hour": 10, "minute": 34}
